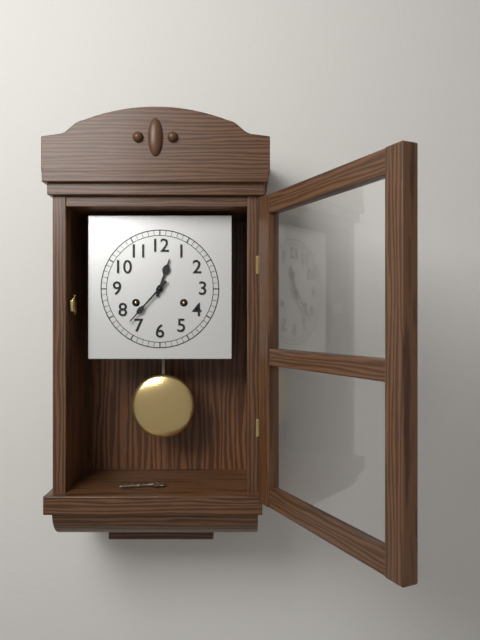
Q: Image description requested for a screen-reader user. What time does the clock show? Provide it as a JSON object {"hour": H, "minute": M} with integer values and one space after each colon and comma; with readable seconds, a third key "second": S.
{"hour": 12, "minute": 37}
